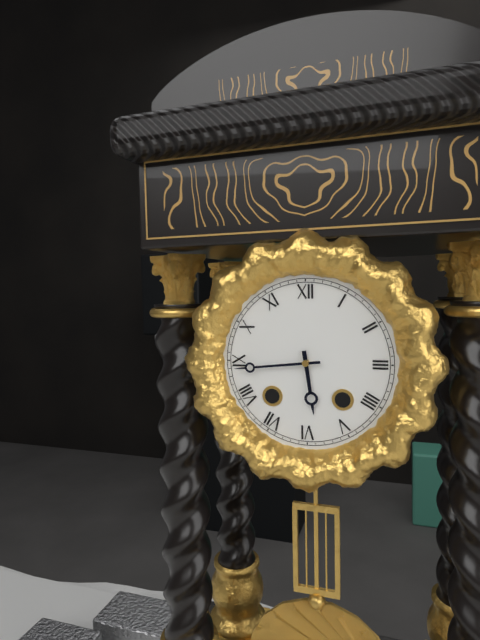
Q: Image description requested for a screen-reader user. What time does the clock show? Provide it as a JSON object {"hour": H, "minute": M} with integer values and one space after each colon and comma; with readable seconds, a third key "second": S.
{"hour": 5, "minute": 44}
